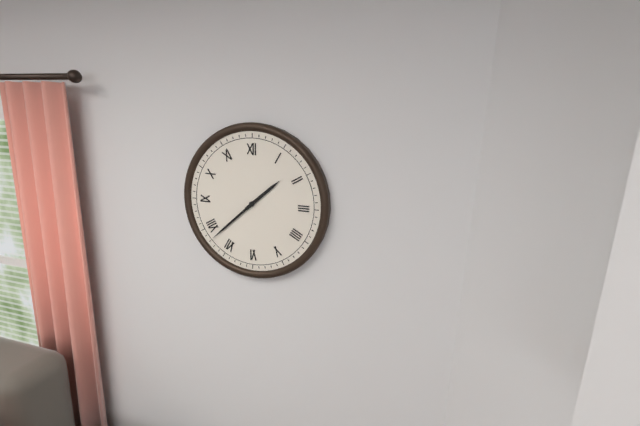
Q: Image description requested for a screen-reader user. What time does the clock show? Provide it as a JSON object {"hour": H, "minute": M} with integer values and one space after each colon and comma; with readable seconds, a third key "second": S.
{"hour": 1, "minute": 38}
